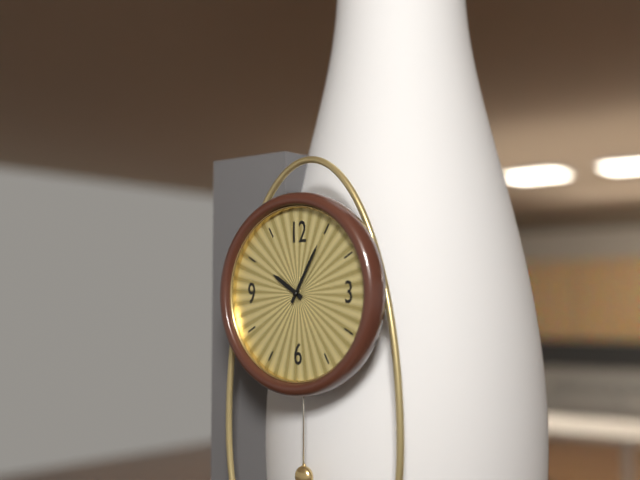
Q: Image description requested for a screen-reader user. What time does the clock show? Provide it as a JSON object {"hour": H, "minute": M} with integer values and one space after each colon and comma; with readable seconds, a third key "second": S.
{"hour": 10, "minute": 5}
